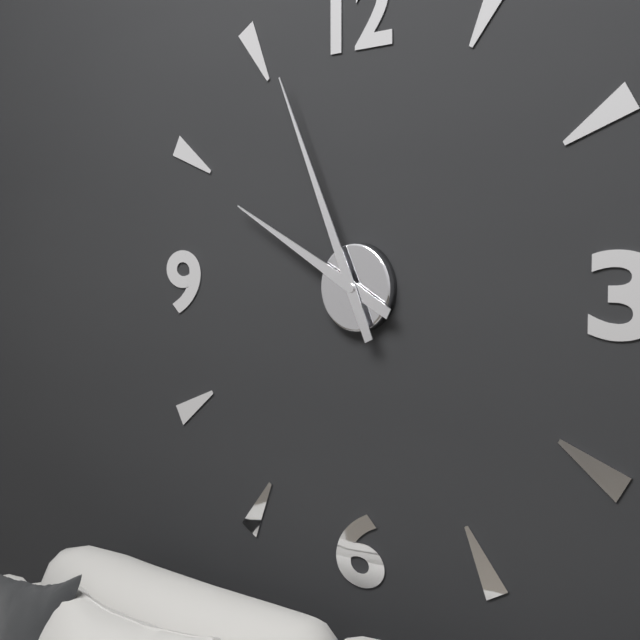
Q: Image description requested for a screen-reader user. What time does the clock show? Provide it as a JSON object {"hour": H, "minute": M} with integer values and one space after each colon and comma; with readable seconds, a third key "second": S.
{"hour": 9, "minute": 56}
